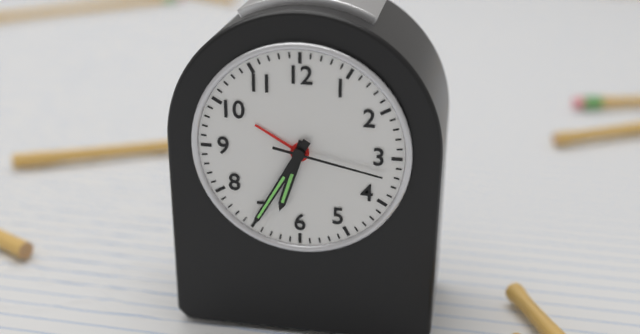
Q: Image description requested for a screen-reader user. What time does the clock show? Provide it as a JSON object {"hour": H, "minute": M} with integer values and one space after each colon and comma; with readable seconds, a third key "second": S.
{"hour": 6, "minute": 35, "second": 17}
